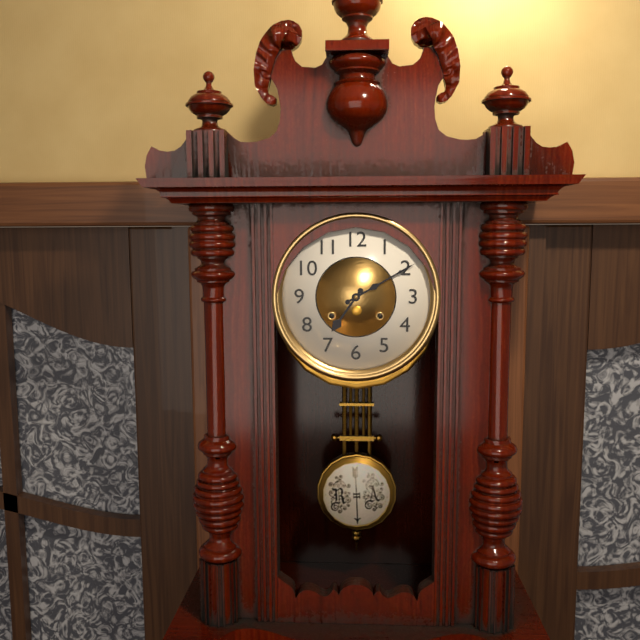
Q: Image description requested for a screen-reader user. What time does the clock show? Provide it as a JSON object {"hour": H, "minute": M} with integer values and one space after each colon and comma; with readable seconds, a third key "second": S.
{"hour": 7, "minute": 10}
